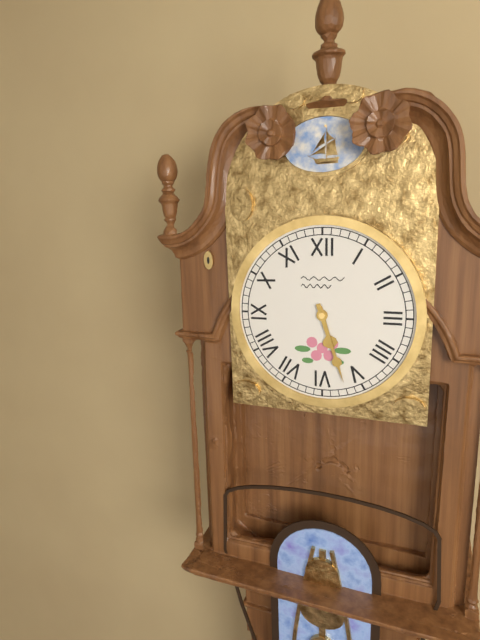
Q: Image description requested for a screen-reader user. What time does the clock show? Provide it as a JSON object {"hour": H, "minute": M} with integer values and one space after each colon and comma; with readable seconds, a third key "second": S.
{"hour": 5, "minute": 27}
